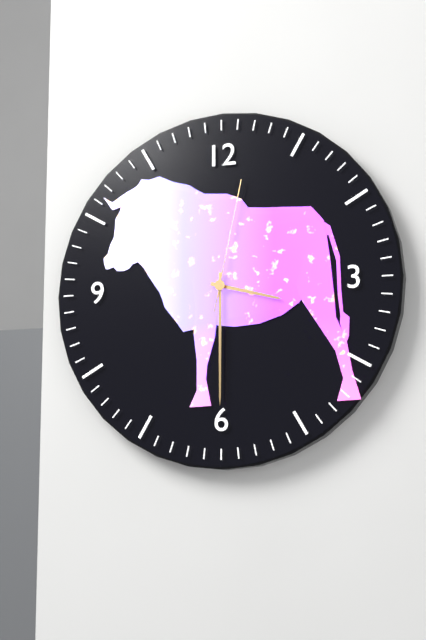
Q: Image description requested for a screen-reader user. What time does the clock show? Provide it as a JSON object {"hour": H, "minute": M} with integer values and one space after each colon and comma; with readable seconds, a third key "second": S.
{"hour": 3, "minute": 30, "second": 2}
